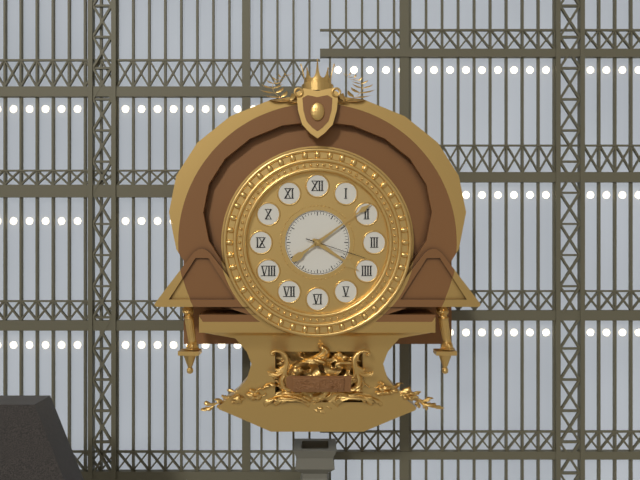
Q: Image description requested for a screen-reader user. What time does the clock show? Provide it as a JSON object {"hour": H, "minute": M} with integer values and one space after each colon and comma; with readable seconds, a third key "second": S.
{"hour": 4, "minute": 9, "second": 18}
